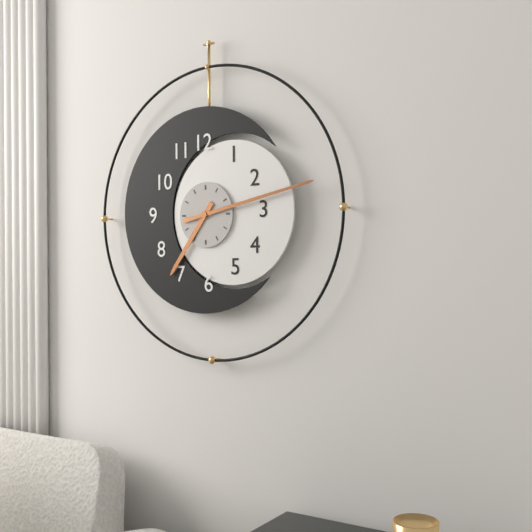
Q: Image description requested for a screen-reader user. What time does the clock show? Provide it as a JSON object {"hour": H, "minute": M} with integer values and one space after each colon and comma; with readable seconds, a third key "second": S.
{"hour": 7, "minute": 13}
